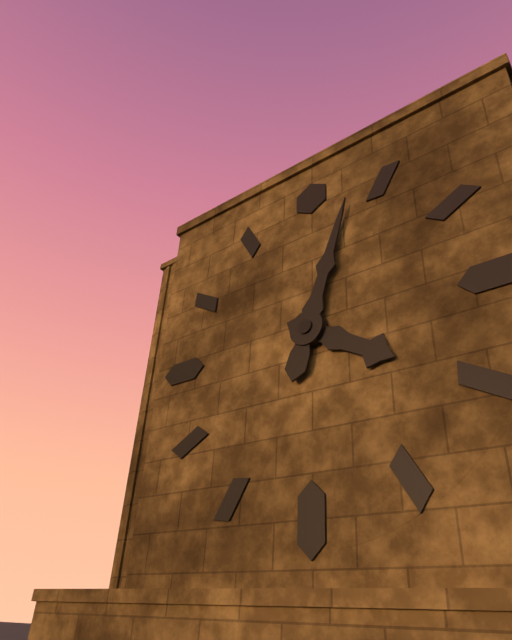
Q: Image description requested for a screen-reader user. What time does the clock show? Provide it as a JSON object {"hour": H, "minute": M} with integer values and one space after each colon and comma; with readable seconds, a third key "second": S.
{"hour": 4, "minute": 3}
